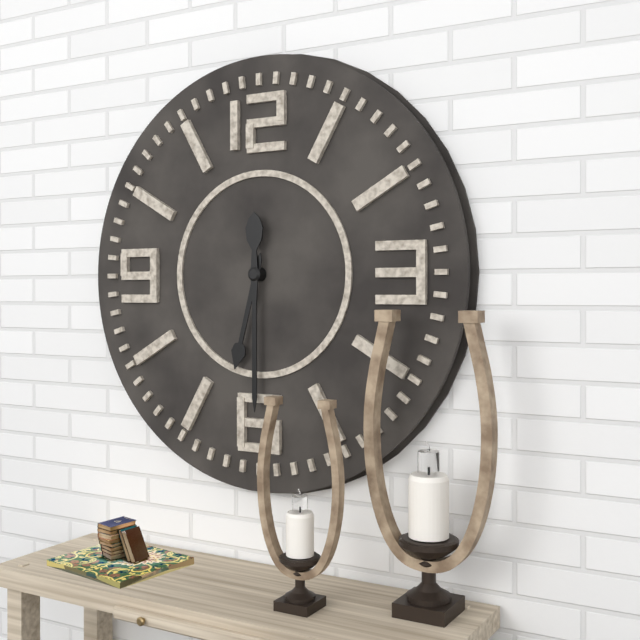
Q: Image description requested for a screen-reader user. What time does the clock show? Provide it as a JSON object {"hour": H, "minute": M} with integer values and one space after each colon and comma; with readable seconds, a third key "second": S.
{"hour": 6, "minute": 30}
